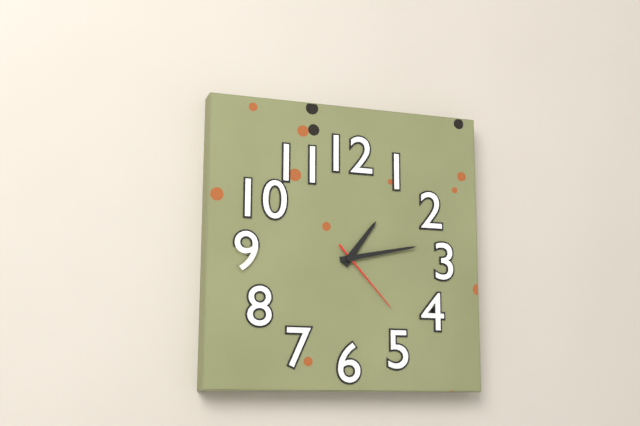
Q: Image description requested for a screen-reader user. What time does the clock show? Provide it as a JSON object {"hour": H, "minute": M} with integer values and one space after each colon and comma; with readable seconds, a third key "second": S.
{"hour": 1, "minute": 13, "second": 23}
